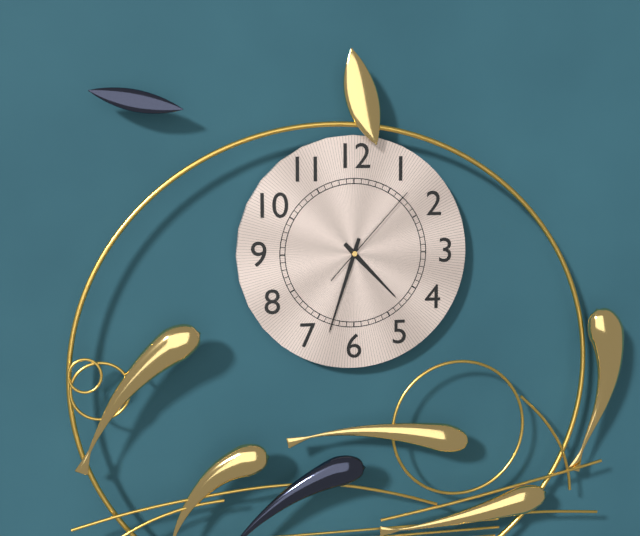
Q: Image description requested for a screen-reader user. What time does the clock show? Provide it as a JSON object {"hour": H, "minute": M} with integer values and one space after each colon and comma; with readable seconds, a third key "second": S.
{"hour": 4, "minute": 33, "second": 7}
